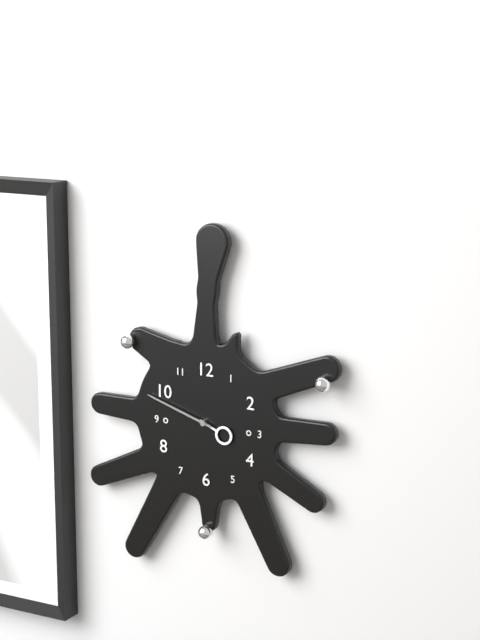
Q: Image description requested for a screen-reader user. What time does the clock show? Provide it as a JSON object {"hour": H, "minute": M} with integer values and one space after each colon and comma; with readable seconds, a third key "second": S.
{"hour": 3, "minute": 48}
